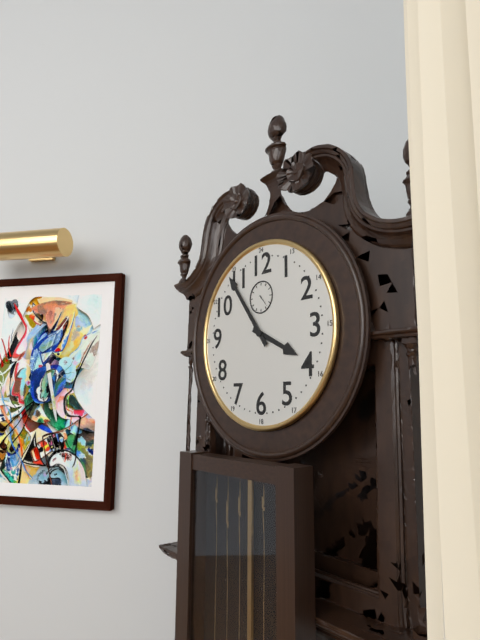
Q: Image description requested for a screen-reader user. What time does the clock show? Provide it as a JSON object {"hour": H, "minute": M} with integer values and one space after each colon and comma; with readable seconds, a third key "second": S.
{"hour": 3, "minute": 54}
